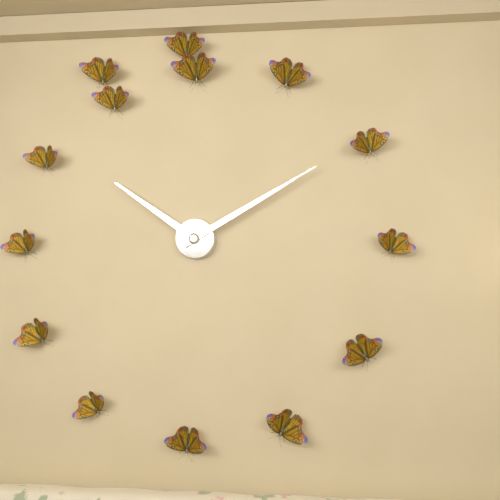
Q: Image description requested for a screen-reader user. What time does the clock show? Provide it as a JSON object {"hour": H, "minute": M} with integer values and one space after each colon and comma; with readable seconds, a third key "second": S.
{"hour": 10, "minute": 10}
